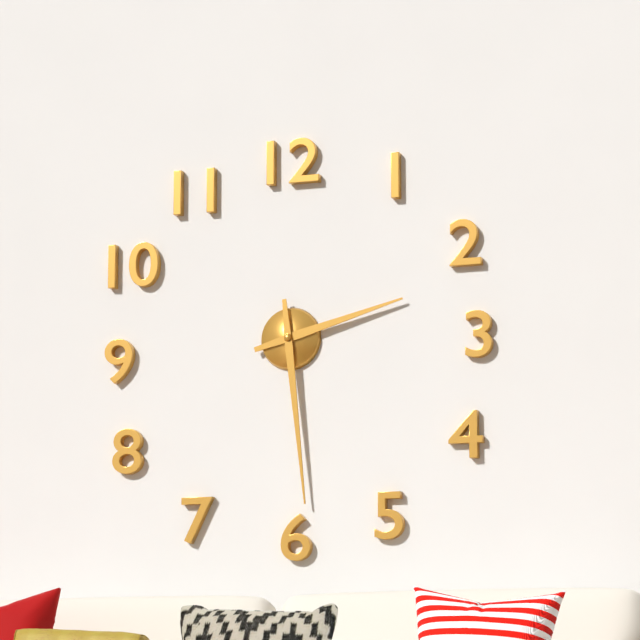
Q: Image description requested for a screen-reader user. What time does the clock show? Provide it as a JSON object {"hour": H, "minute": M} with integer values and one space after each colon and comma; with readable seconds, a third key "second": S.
{"hour": 2, "minute": 29}
